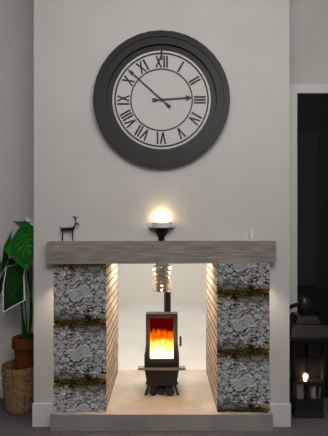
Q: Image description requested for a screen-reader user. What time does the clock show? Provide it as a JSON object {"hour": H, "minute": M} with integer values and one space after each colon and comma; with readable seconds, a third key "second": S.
{"hour": 2, "minute": 52}
